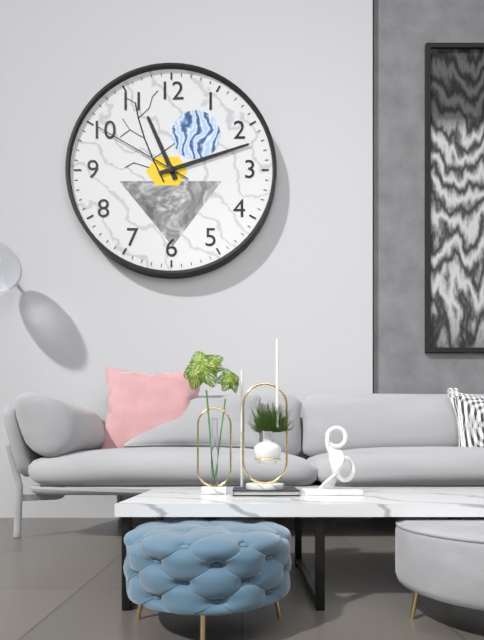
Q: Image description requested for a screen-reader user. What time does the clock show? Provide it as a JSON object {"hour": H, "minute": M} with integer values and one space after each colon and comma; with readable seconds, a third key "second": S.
{"hour": 11, "minute": 12, "second": 50}
